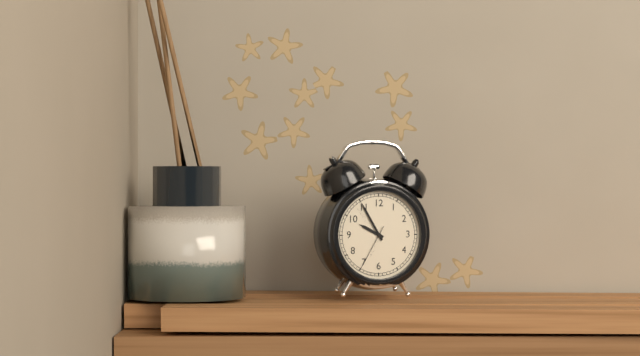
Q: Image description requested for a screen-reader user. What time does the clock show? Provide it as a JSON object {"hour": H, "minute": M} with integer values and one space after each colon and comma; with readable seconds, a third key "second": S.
{"hour": 9, "minute": 55}
